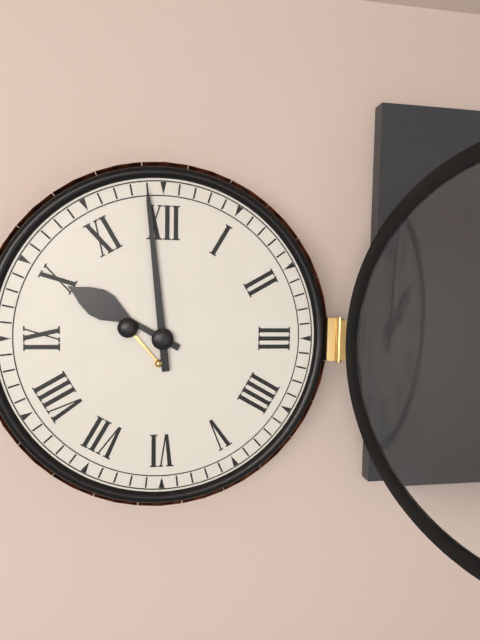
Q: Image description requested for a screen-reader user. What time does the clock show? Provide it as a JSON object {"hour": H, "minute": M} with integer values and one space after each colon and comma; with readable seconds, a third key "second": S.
{"hour": 9, "minute": 59}
